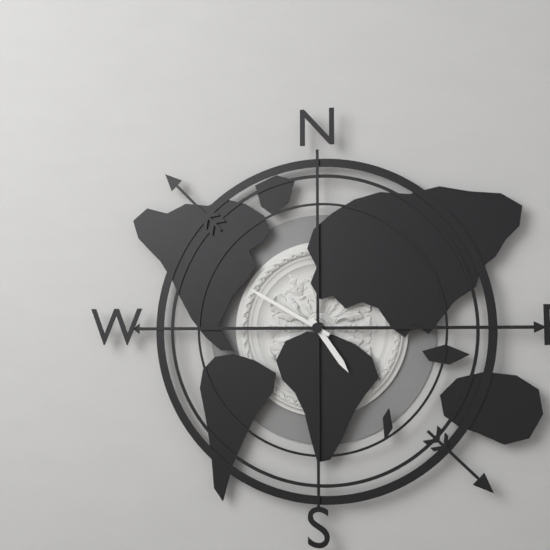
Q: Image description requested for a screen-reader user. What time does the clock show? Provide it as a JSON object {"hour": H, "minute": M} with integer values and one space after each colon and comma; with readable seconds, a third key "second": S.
{"hour": 4, "minute": 50}
